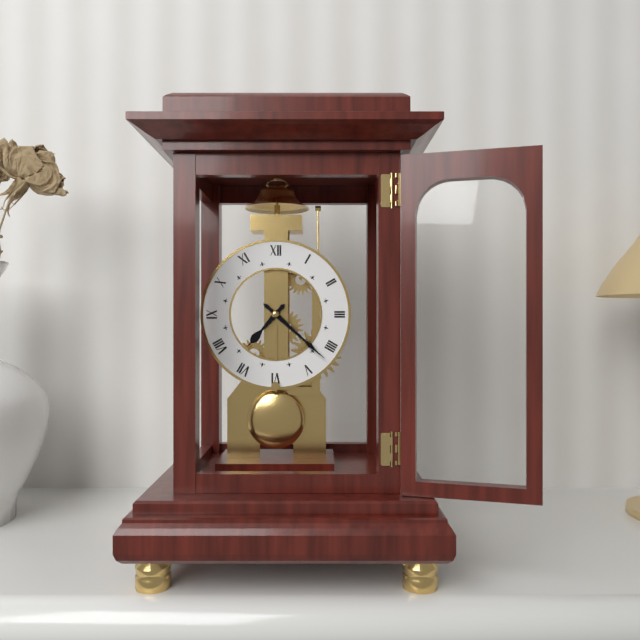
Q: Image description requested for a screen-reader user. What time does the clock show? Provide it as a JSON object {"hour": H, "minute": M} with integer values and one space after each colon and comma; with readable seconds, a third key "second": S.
{"hour": 7, "minute": 22}
